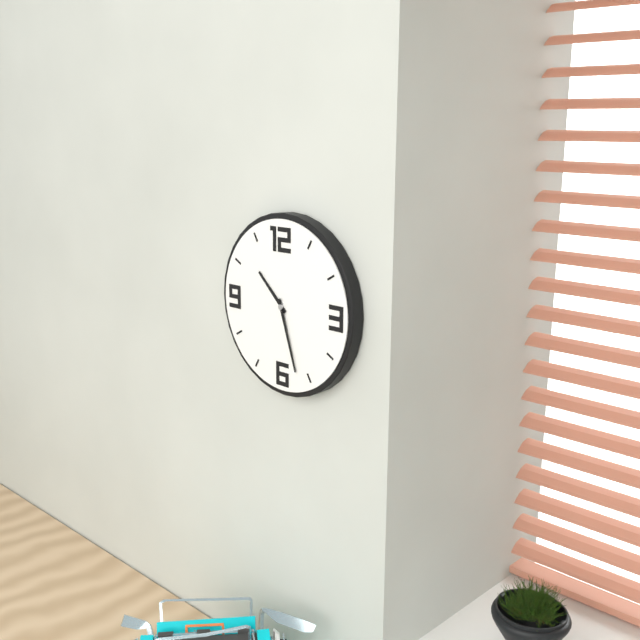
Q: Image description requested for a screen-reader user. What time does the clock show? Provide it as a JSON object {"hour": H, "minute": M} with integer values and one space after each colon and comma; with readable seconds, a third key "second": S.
{"hour": 10, "minute": 27}
